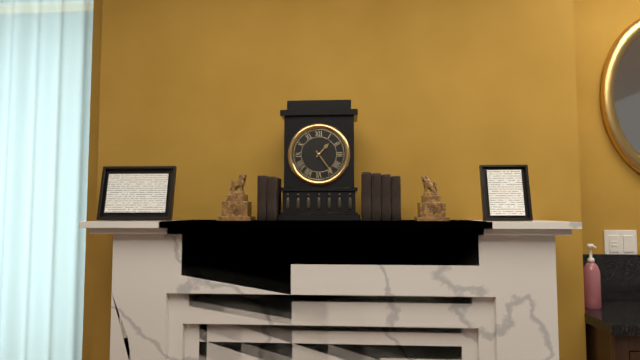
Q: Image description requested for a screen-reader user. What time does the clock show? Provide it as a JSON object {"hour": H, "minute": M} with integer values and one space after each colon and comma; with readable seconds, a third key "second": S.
{"hour": 1, "minute": 24}
